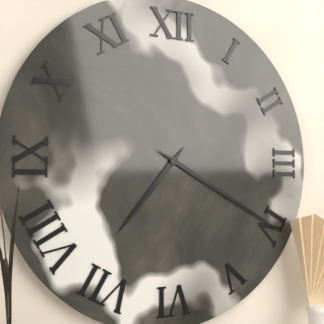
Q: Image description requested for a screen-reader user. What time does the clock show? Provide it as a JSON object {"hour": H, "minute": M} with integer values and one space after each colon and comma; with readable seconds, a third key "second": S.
{"hour": 7, "minute": 20}
